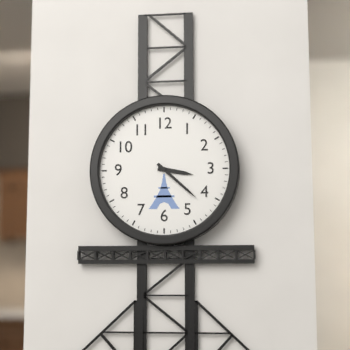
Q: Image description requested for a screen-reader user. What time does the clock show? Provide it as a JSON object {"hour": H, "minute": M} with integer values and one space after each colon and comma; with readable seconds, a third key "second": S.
{"hour": 3, "minute": 22}
